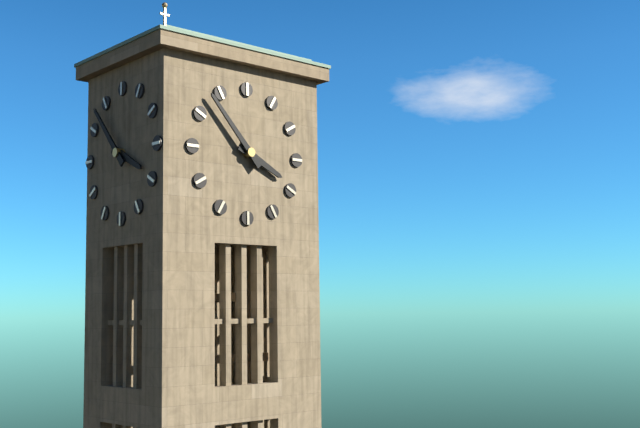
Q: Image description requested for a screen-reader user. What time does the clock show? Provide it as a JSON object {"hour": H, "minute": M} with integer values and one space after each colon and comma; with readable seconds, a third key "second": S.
{"hour": 3, "minute": 53}
